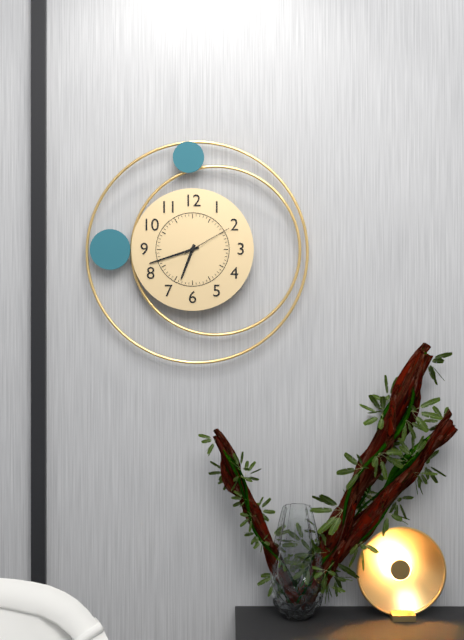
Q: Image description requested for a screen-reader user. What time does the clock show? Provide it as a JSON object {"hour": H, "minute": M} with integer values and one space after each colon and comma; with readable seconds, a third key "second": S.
{"hour": 6, "minute": 42, "second": 10}
